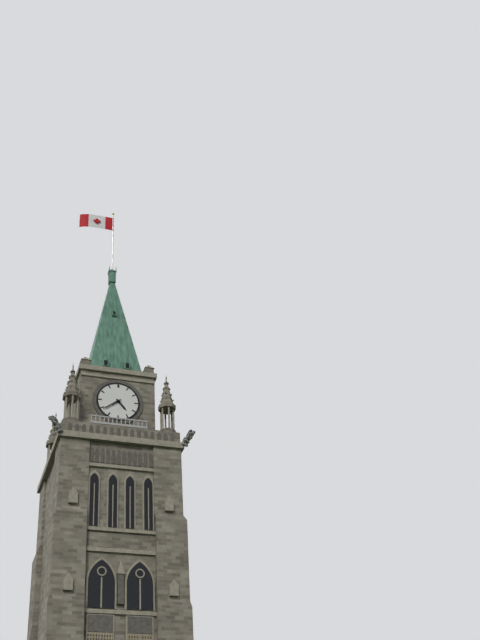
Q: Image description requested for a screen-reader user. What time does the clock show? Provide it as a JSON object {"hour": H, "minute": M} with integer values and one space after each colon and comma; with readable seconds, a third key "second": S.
{"hour": 4, "minute": 39}
